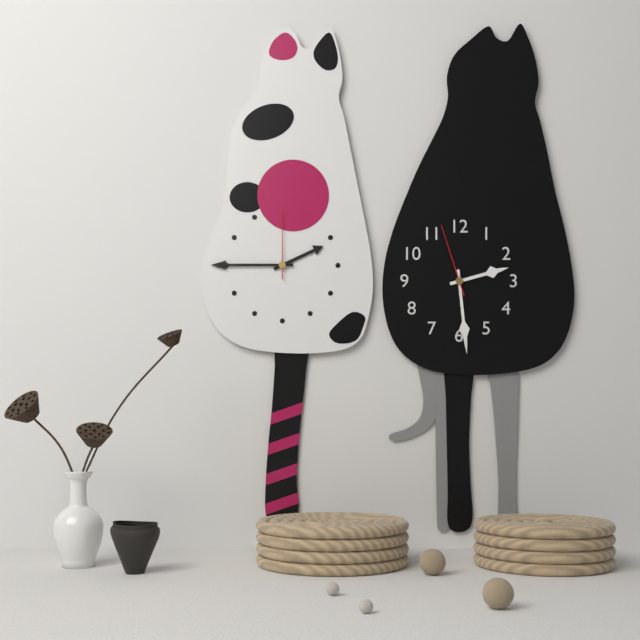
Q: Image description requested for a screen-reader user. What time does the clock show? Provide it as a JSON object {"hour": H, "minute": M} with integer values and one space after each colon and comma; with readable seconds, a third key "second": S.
{"hour": 2, "minute": 29, "second": 57}
